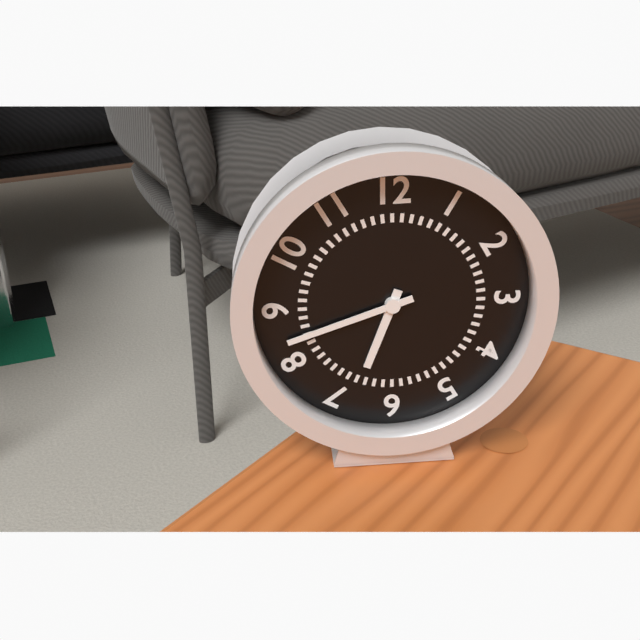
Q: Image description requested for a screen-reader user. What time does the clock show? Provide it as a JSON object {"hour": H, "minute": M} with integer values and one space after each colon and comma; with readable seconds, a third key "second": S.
{"hour": 6, "minute": 42}
